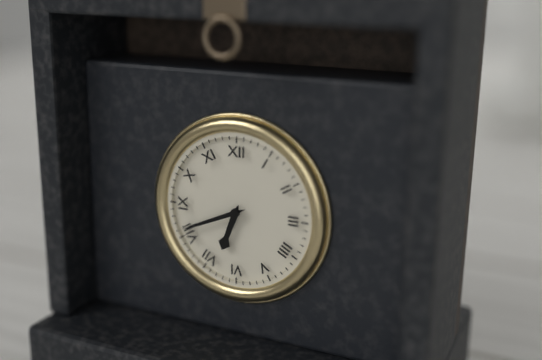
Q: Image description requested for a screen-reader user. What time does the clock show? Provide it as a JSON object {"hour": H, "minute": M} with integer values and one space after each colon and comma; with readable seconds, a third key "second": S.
{"hour": 6, "minute": 41}
